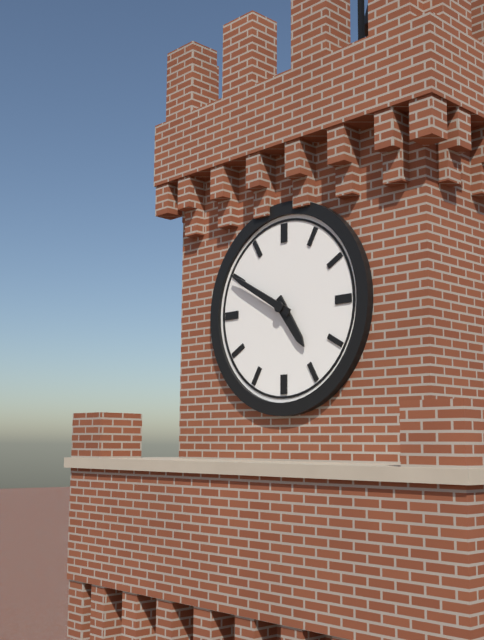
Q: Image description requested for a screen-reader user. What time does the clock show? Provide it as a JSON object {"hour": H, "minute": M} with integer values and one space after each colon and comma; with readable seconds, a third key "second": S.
{"hour": 4, "minute": 50}
